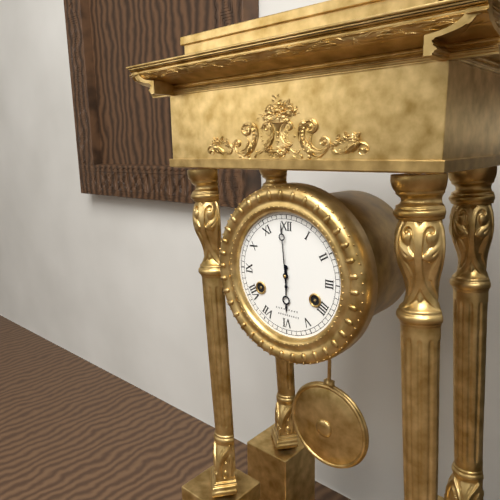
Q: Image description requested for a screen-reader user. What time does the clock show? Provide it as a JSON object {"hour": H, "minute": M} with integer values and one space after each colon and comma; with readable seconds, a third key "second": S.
{"hour": 5, "minute": 59}
